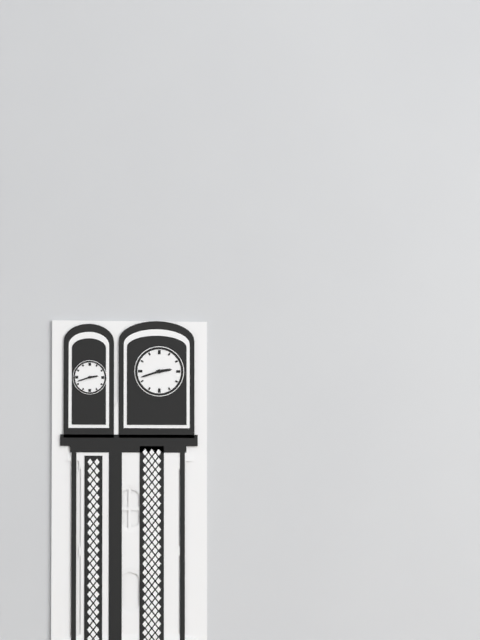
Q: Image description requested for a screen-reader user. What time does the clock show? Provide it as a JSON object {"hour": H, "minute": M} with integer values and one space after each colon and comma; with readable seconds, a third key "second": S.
{"hour": 2, "minute": 42}
